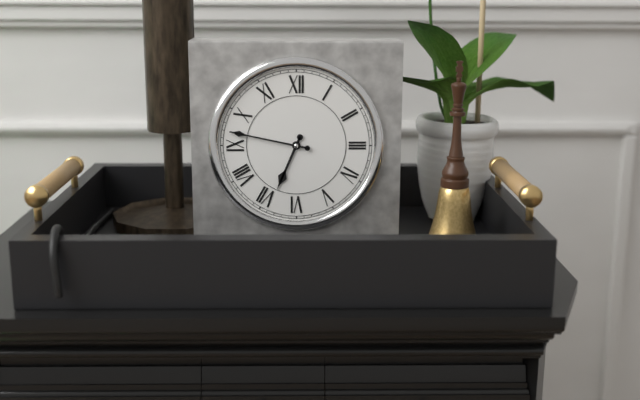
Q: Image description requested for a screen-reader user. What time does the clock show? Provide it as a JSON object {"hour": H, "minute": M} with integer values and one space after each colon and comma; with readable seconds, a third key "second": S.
{"hour": 6, "minute": 47}
